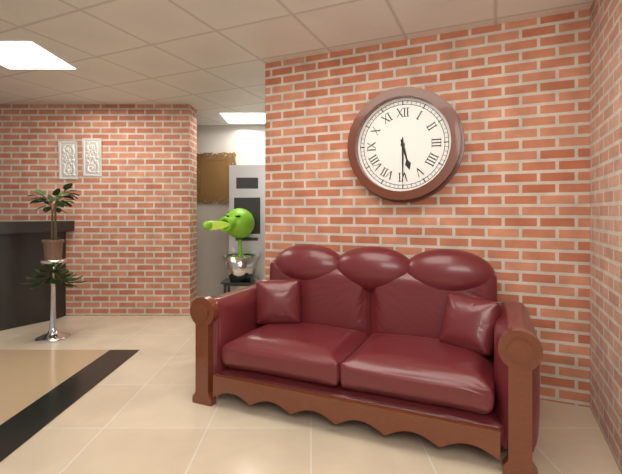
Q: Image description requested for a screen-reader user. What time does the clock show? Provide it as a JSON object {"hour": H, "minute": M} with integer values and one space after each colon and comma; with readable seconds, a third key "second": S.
{"hour": 5, "minute": 30}
